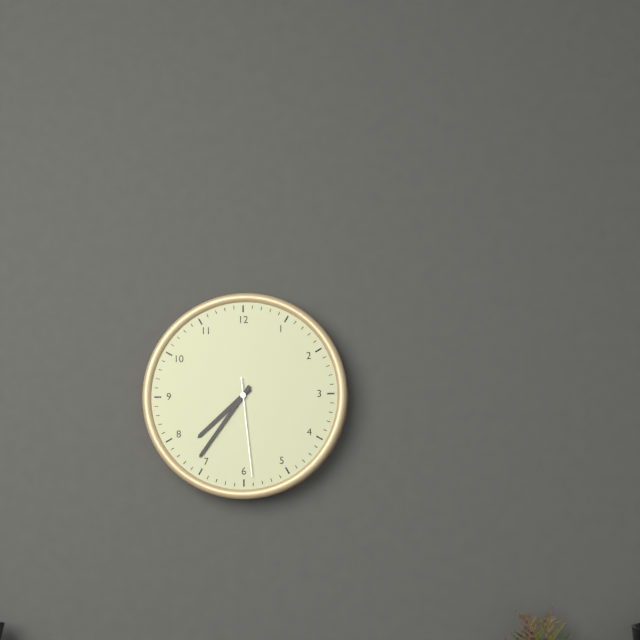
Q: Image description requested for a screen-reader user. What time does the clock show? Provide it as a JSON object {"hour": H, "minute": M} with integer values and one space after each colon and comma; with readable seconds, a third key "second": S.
{"hour": 7, "minute": 36, "second": 29}
